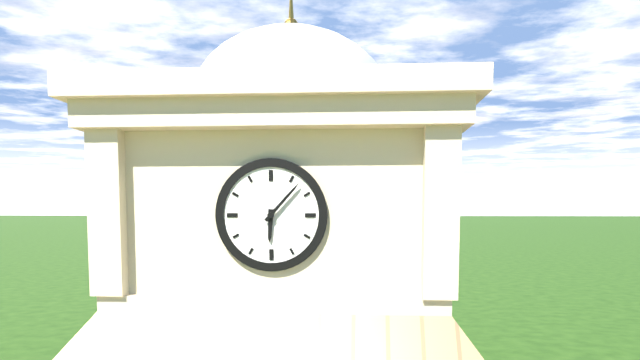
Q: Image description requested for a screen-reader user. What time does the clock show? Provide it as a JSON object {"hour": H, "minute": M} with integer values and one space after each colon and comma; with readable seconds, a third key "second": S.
{"hour": 6, "minute": 7}
